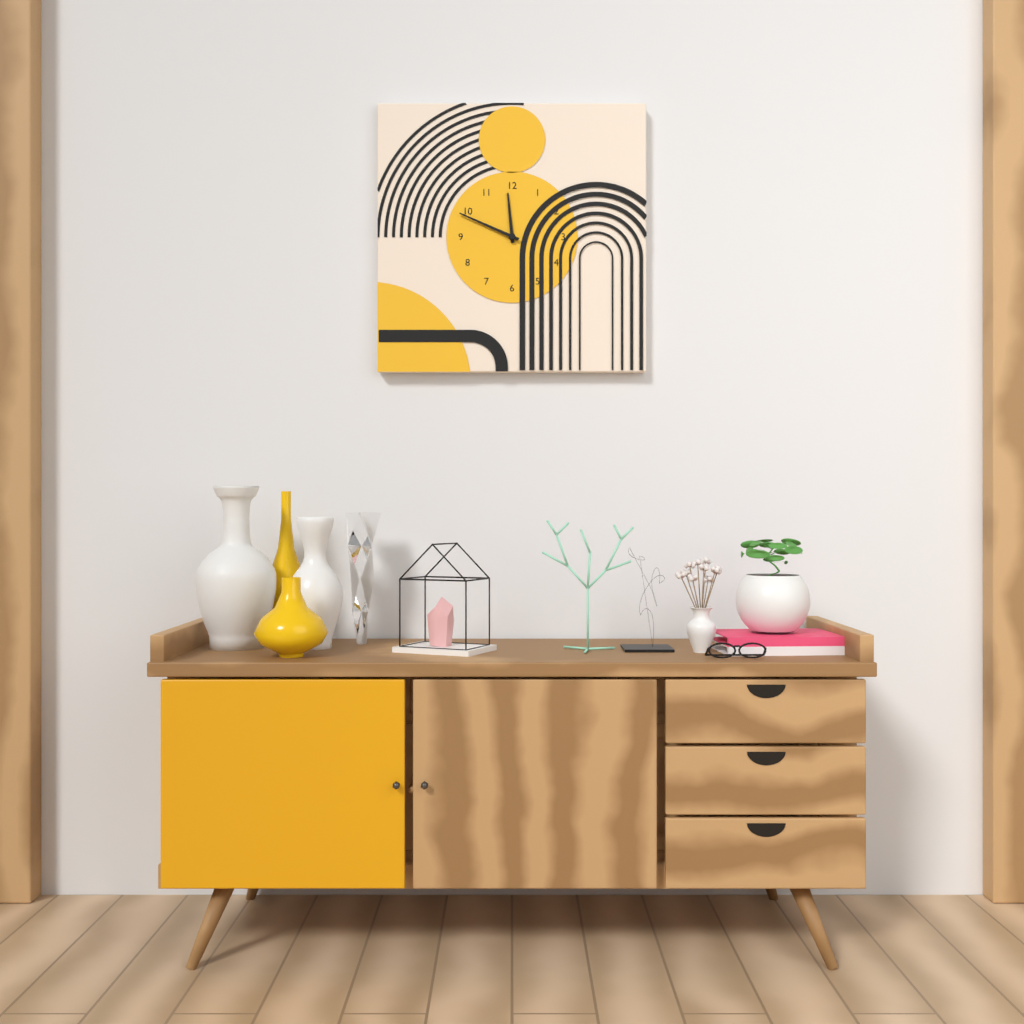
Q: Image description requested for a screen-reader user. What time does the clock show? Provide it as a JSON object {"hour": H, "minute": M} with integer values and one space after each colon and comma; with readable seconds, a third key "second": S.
{"hour": 11, "minute": 49}
